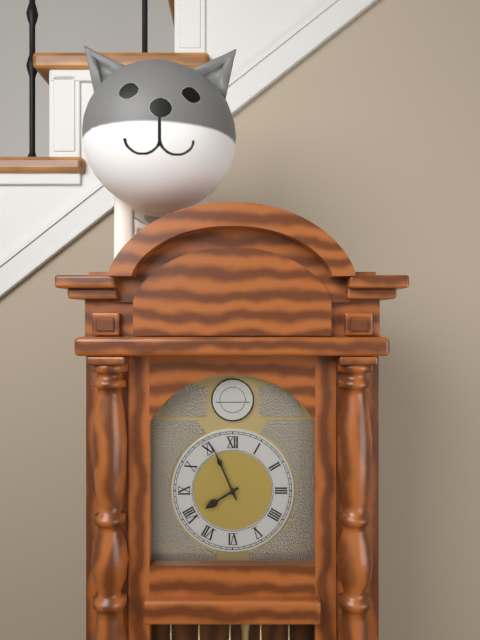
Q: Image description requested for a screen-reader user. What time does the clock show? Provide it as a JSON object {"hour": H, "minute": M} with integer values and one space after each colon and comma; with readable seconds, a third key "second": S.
{"hour": 7, "minute": 56}
